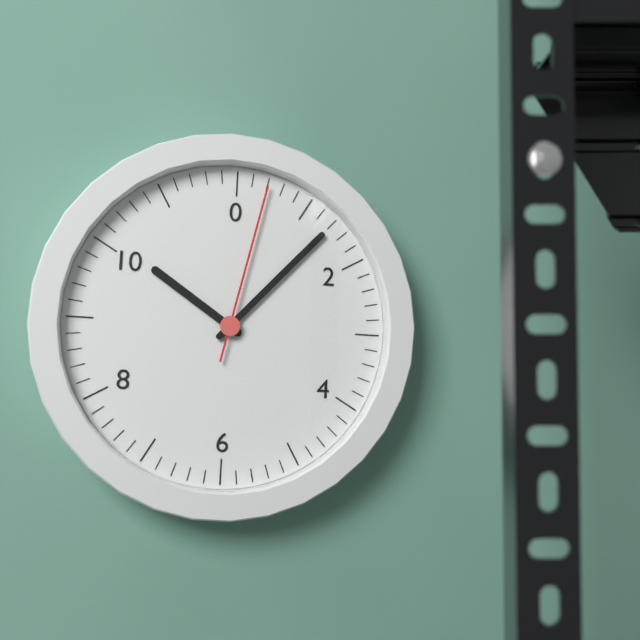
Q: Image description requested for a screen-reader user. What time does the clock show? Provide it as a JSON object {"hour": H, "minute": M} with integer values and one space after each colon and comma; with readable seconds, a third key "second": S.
{"hour": 10, "minute": 7, "second": 2}
